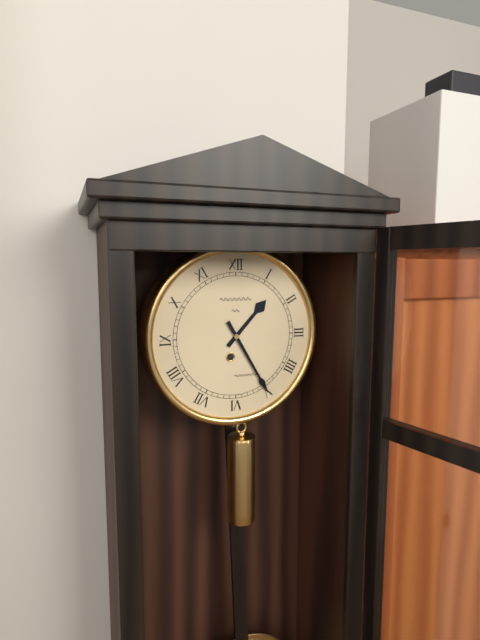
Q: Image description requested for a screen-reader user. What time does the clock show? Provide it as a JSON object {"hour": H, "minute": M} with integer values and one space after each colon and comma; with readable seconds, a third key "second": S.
{"hour": 1, "minute": 25}
